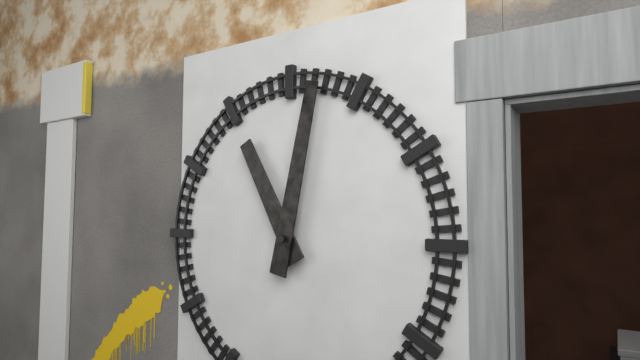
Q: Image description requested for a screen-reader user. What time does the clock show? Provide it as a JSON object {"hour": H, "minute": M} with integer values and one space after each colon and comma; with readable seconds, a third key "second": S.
{"hour": 11, "minute": 2}
